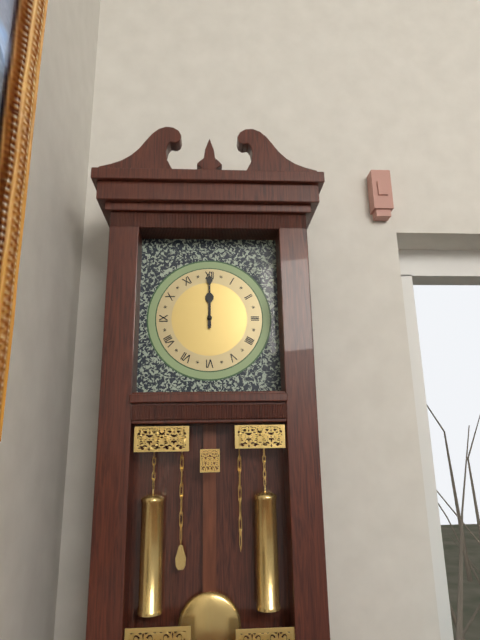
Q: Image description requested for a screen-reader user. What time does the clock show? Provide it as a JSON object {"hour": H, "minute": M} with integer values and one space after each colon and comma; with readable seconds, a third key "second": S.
{"hour": 12, "minute": 0}
